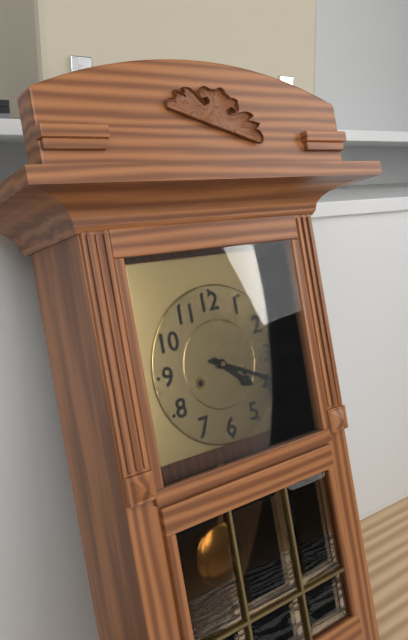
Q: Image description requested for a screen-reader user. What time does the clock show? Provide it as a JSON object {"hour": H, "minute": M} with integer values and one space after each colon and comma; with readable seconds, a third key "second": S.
{"hour": 4, "minute": 19}
